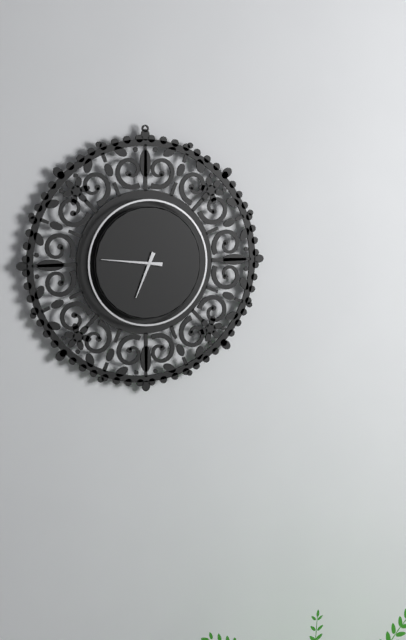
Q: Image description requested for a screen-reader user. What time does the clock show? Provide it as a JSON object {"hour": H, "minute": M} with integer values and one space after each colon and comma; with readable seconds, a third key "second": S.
{"hour": 6, "minute": 46}
